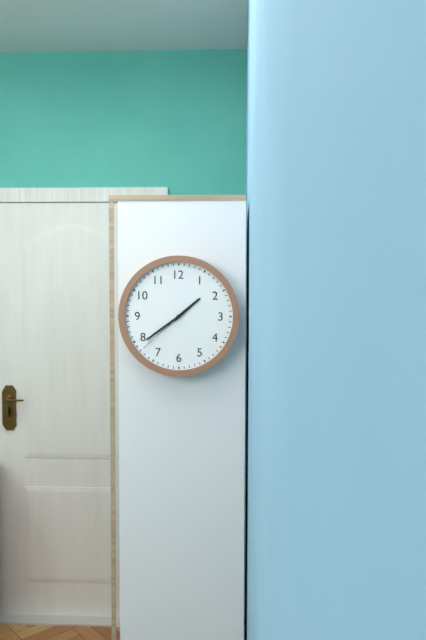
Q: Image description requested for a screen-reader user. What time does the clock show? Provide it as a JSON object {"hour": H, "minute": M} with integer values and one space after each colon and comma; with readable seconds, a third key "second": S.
{"hour": 1, "minute": 39, "second": 38}
